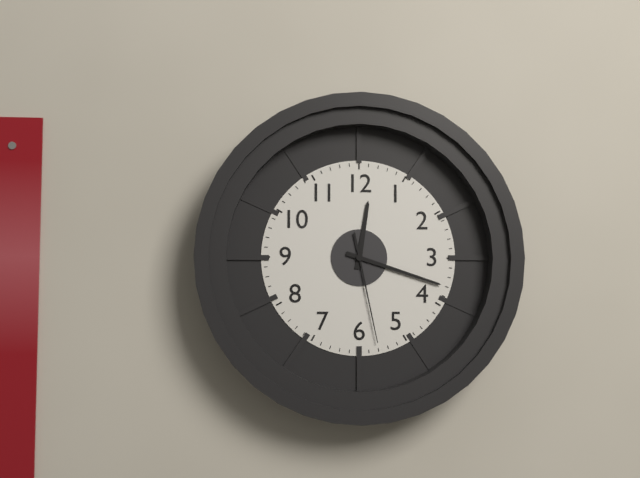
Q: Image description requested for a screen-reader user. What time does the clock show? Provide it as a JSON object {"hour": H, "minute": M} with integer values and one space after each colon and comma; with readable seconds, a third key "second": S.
{"hour": 12, "minute": 18, "second": 28}
